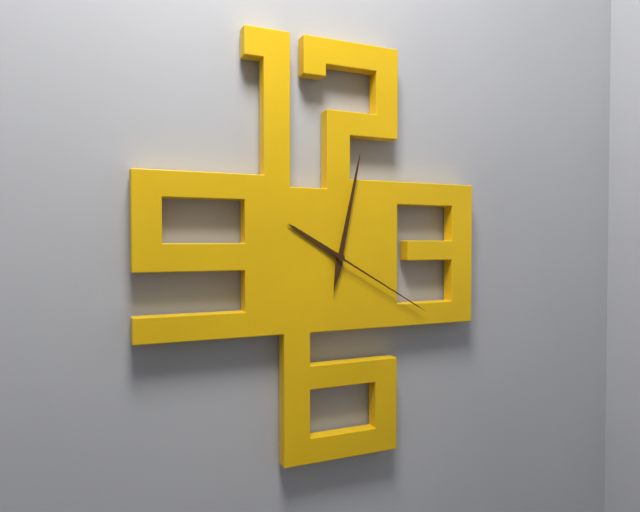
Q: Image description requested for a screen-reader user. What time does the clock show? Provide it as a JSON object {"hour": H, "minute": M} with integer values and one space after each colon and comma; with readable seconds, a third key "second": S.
{"hour": 10, "minute": 2, "second": 20}
